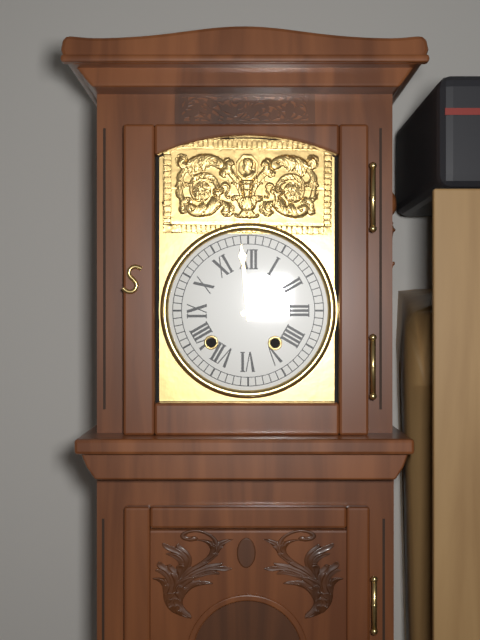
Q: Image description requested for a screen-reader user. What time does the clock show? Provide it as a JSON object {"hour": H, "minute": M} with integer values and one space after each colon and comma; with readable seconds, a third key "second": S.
{"hour": 1, "minute": 59}
